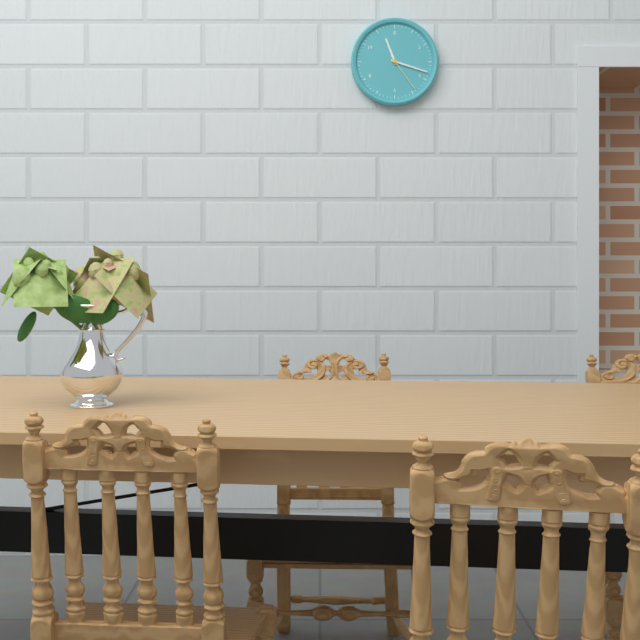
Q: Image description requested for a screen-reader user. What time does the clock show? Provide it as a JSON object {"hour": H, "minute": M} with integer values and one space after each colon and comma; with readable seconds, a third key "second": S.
{"hour": 11, "minute": 18}
